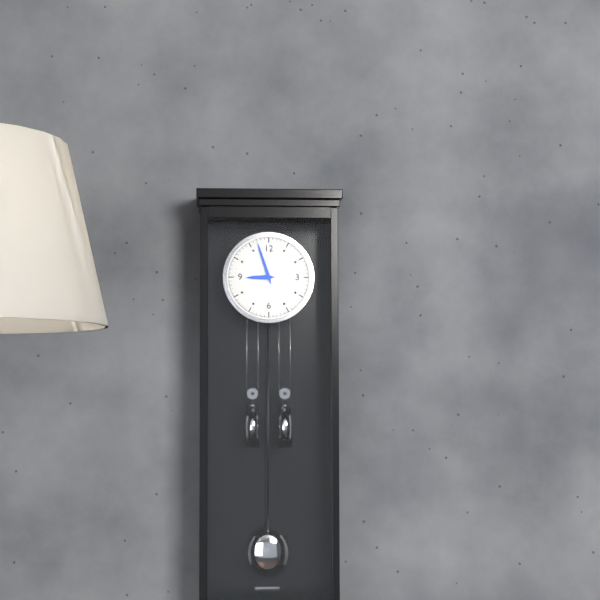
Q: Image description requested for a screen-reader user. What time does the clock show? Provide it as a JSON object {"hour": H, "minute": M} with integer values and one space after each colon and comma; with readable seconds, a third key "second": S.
{"hour": 8, "minute": 57}
